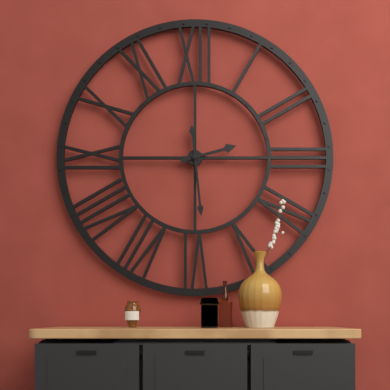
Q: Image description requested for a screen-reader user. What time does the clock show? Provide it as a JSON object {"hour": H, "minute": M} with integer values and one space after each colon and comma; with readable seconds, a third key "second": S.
{"hour": 2, "minute": 29}
